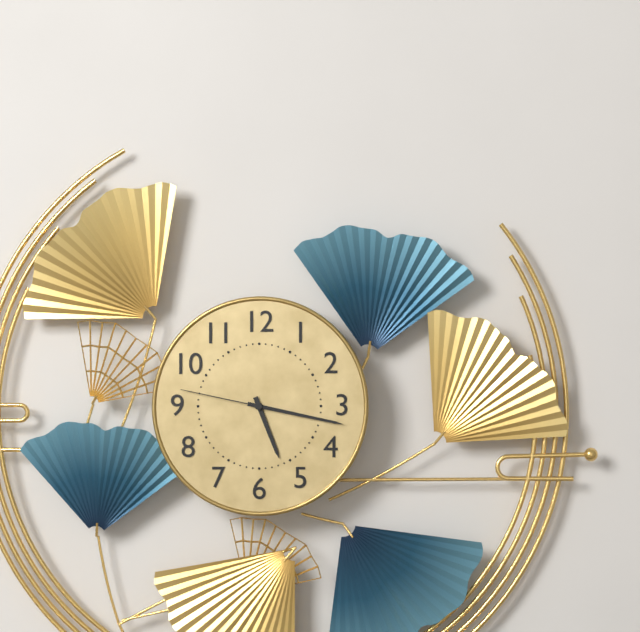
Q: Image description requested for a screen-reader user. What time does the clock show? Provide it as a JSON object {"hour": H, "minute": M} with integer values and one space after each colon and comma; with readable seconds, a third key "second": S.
{"hour": 5, "minute": 17, "second": 47}
